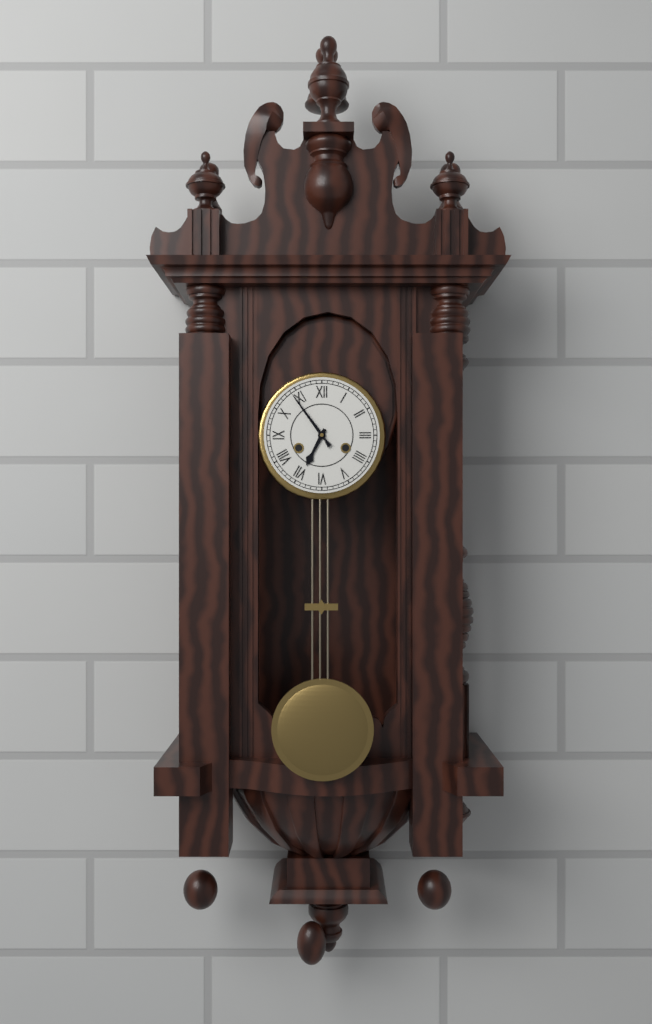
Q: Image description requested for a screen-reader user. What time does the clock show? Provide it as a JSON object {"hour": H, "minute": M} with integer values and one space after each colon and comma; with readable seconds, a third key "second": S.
{"hour": 6, "minute": 54}
